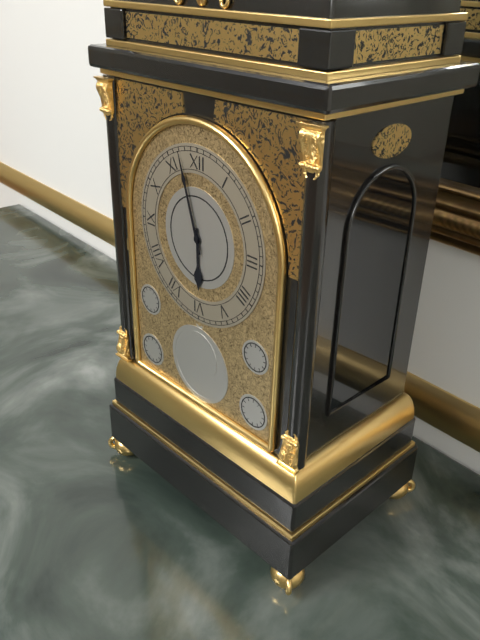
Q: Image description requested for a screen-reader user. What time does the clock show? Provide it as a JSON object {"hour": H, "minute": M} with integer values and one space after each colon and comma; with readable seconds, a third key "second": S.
{"hour": 5, "minute": 57}
